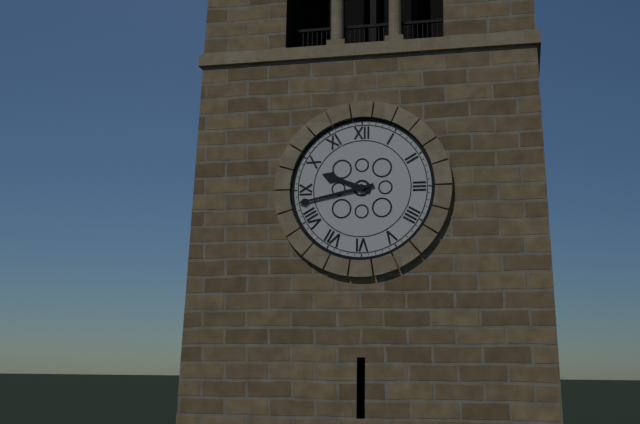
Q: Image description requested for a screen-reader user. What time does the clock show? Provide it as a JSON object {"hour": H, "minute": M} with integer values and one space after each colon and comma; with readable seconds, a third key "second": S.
{"hour": 9, "minute": 43}
